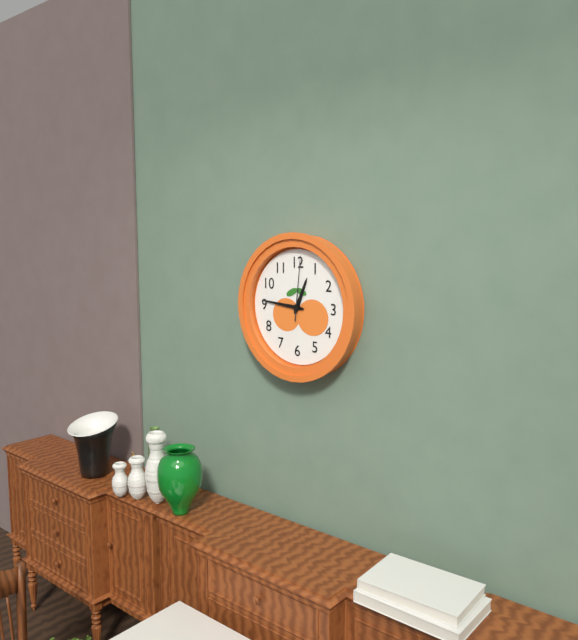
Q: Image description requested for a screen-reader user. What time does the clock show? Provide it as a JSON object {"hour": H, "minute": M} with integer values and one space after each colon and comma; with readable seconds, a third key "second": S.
{"hour": 12, "minute": 46, "second": 1}
